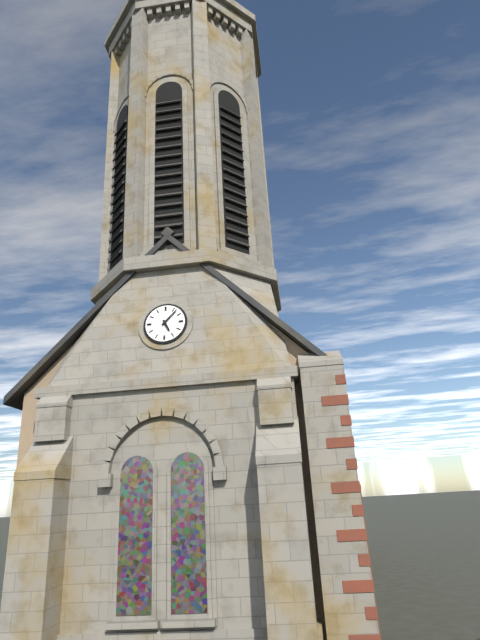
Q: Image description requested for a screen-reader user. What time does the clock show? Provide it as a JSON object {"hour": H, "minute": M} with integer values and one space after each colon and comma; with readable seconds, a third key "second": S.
{"hour": 5, "minute": 7}
